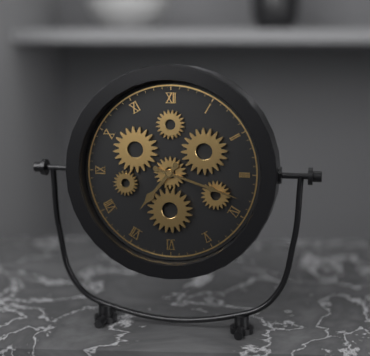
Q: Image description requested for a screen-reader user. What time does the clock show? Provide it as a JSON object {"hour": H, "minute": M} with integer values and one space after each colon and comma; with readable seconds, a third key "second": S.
{"hour": 7, "minute": 18}
